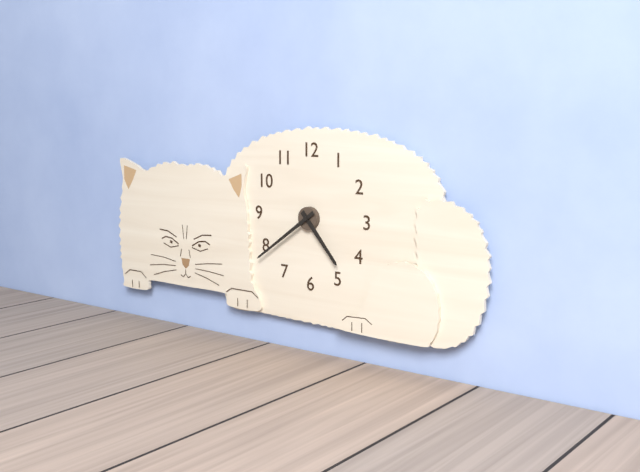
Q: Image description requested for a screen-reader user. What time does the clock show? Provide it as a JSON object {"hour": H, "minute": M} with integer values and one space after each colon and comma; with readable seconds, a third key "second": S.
{"hour": 4, "minute": 39}
